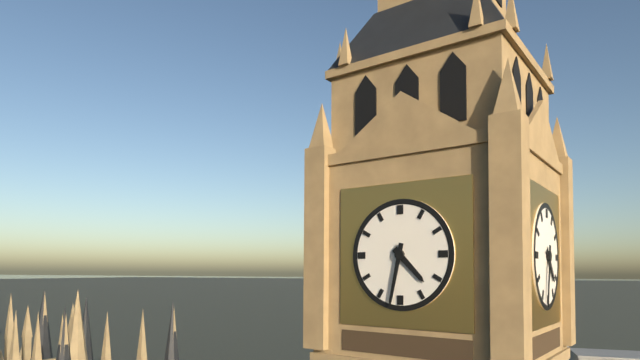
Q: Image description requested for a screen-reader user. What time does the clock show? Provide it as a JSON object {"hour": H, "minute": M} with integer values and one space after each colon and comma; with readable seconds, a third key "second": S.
{"hour": 4, "minute": 32}
